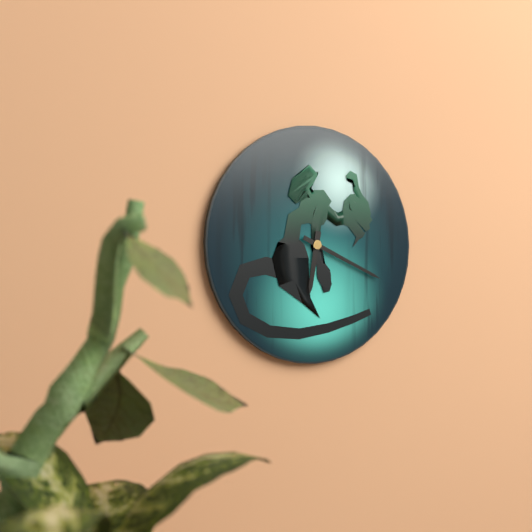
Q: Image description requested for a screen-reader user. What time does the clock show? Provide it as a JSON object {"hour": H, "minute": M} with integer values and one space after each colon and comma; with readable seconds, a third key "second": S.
{"hour": 6, "minute": 19}
